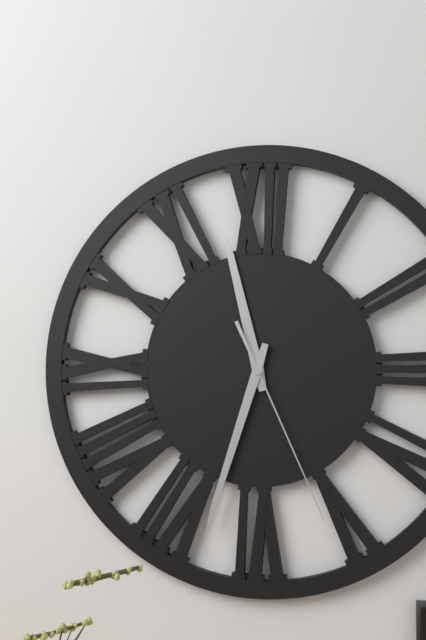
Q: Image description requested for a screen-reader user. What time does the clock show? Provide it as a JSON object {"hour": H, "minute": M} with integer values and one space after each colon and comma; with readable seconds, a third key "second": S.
{"hour": 11, "minute": 33, "second": 26}
